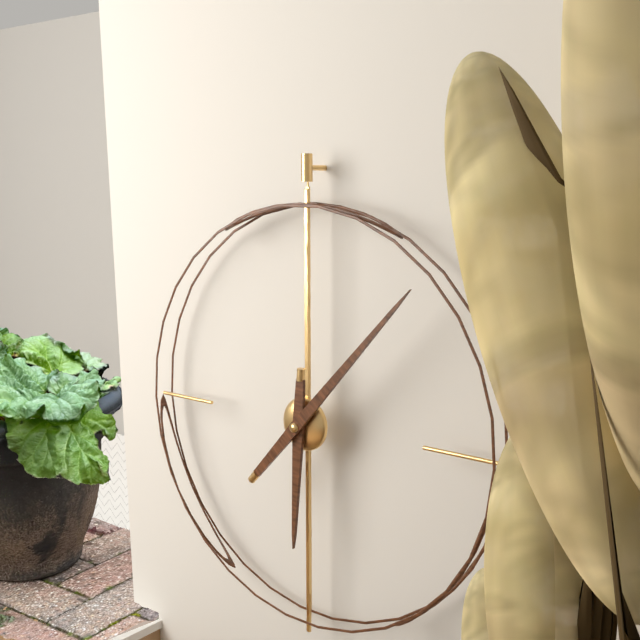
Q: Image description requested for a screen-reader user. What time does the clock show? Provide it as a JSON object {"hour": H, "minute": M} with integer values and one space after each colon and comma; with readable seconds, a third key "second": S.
{"hour": 6, "minute": 7}
